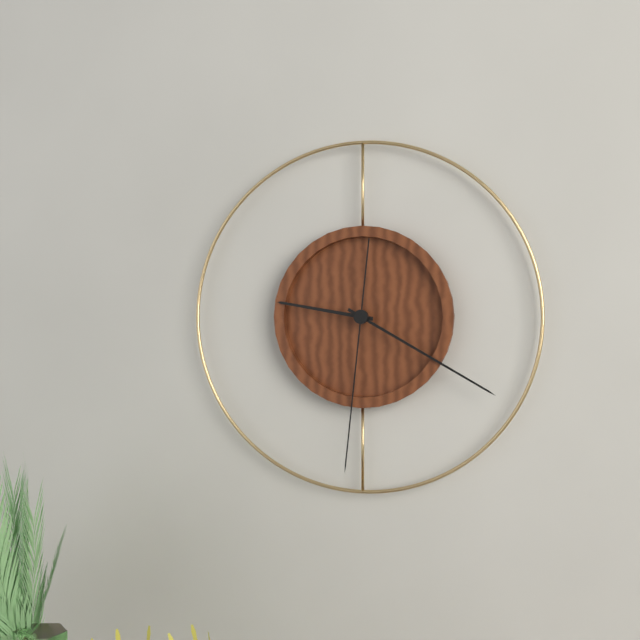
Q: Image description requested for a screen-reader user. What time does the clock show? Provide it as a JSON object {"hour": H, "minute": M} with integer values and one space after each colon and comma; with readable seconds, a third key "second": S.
{"hour": 9, "minute": 20, "second": 31}
